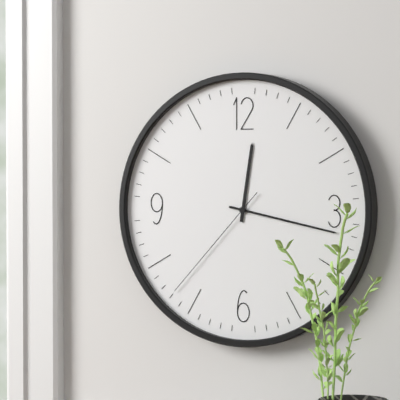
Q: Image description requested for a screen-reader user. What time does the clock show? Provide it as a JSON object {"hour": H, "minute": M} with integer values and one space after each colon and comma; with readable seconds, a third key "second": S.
{"hour": 12, "minute": 17, "second": 37}
